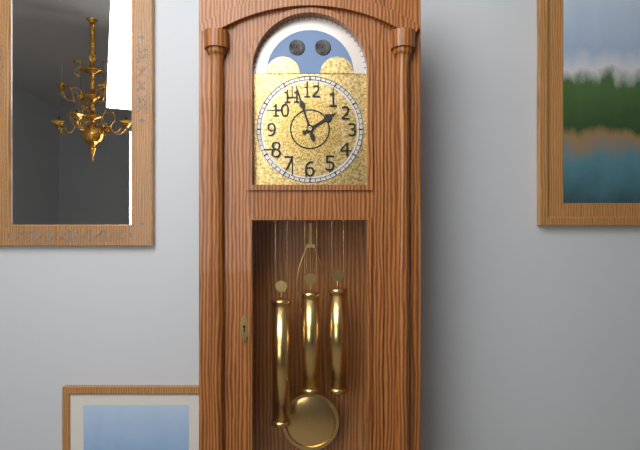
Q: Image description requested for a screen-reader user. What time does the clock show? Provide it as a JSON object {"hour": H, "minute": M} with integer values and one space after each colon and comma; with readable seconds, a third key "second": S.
{"hour": 1, "minute": 57}
